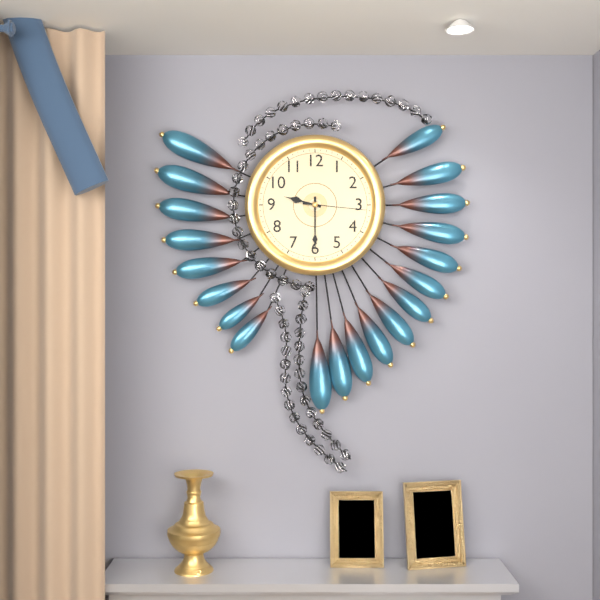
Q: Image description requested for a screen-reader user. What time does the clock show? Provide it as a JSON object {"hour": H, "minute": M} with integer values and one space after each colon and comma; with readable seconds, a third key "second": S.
{"hour": 9, "minute": 30, "second": 16}
